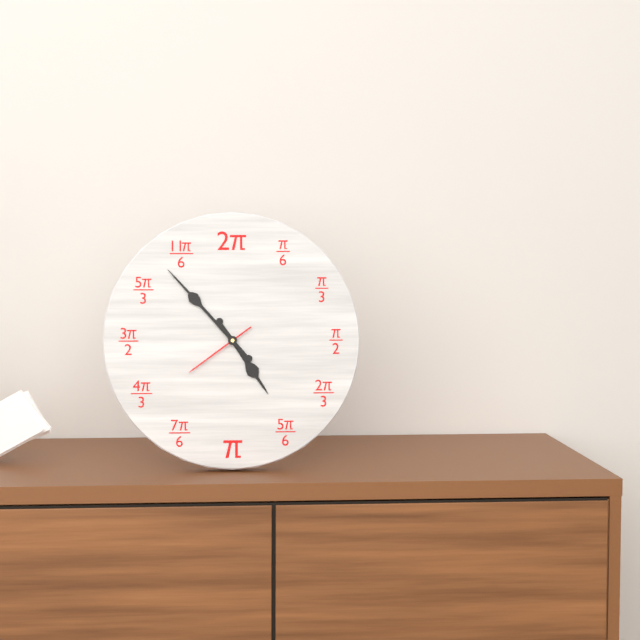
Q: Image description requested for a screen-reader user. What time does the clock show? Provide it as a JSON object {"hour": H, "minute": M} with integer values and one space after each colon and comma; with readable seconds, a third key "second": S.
{"hour": 4, "minute": 53, "second": 39}
